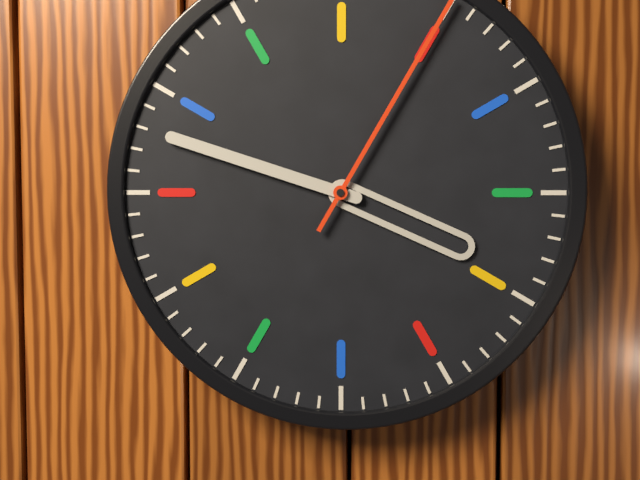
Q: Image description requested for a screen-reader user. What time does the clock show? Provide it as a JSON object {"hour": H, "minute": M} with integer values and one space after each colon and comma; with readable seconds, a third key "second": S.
{"hour": 3, "minute": 48}
